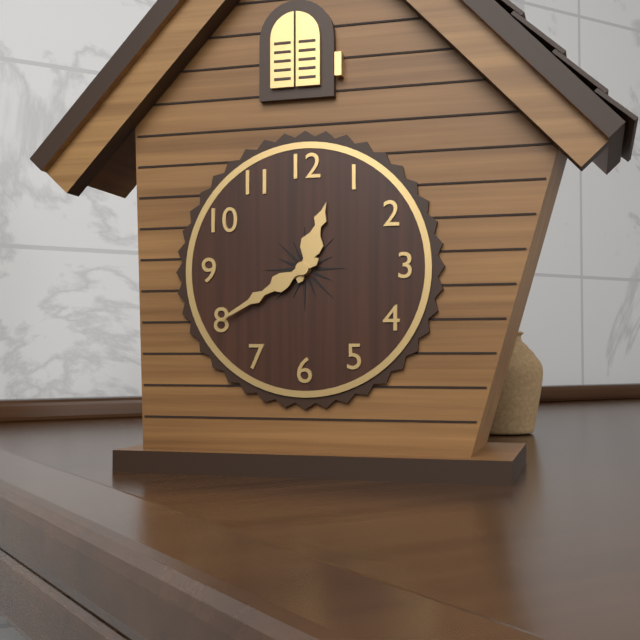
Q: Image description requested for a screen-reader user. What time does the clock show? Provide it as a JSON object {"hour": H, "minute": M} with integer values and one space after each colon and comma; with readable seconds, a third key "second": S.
{"hour": 12, "minute": 40}
